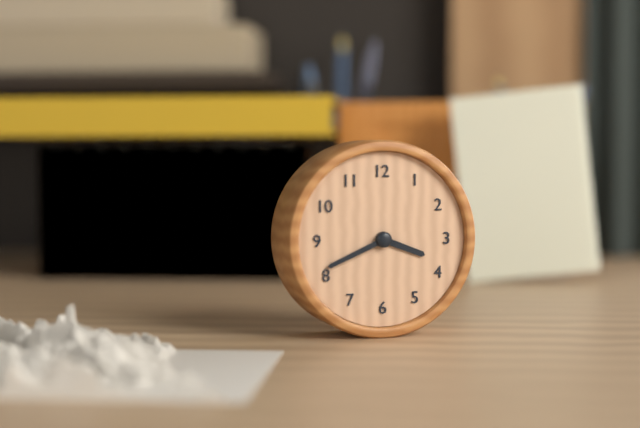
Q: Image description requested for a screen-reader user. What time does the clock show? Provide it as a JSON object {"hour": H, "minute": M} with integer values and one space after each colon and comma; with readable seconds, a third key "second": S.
{"hour": 3, "minute": 41}
